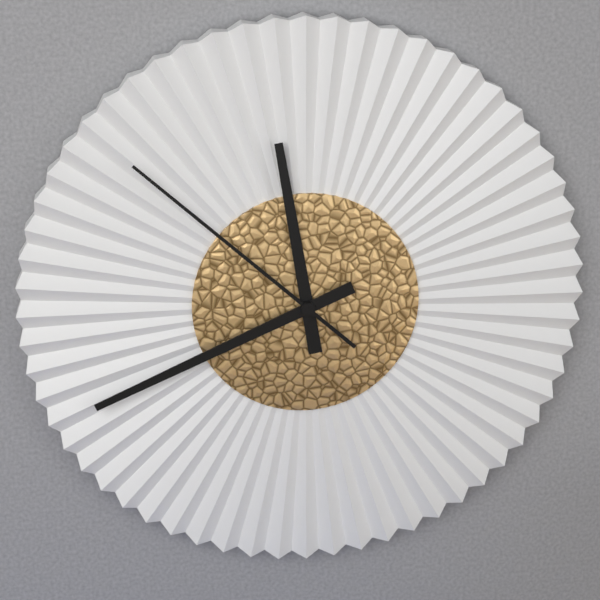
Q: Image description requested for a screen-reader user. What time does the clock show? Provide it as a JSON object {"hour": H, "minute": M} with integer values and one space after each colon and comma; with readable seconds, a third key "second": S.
{"hour": 11, "minute": 41, "second": 52}
